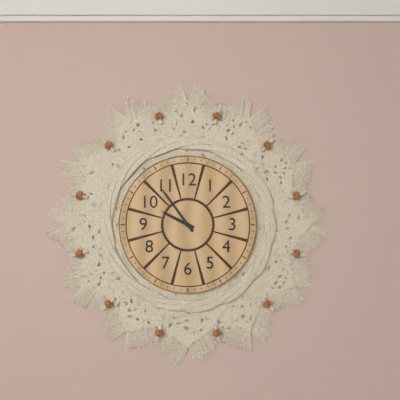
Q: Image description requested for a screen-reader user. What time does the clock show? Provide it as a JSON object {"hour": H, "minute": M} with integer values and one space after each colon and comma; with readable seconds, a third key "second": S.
{"hour": 9, "minute": 54}
